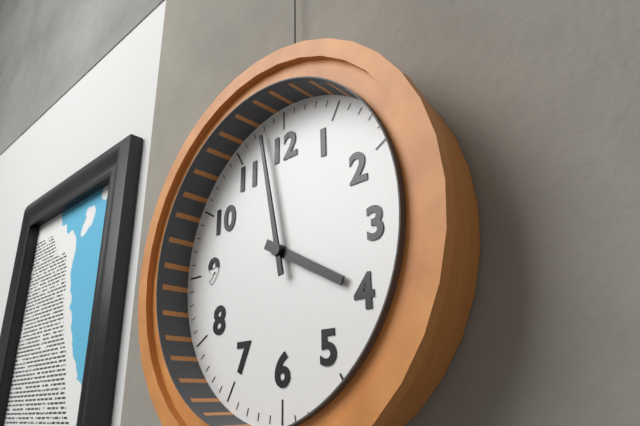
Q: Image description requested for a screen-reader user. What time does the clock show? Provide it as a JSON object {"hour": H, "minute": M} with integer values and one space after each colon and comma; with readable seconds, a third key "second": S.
{"hour": 3, "minute": 58}
